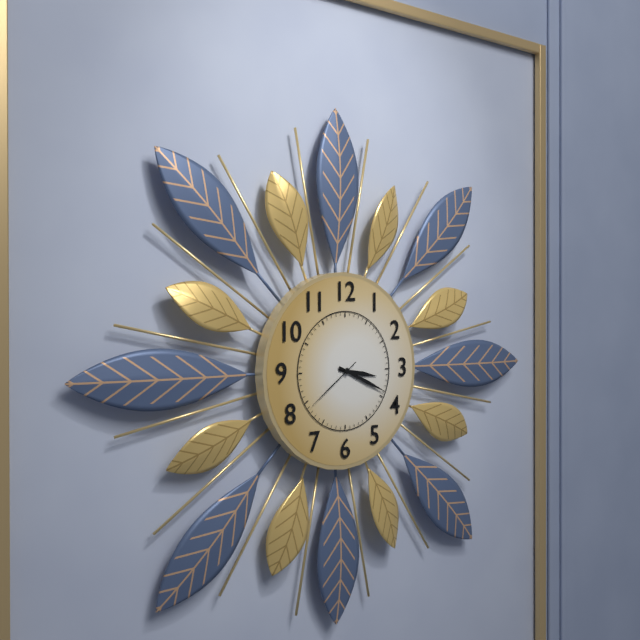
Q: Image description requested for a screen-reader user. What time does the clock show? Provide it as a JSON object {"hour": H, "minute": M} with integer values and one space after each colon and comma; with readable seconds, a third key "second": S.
{"hour": 3, "minute": 19, "second": 39}
